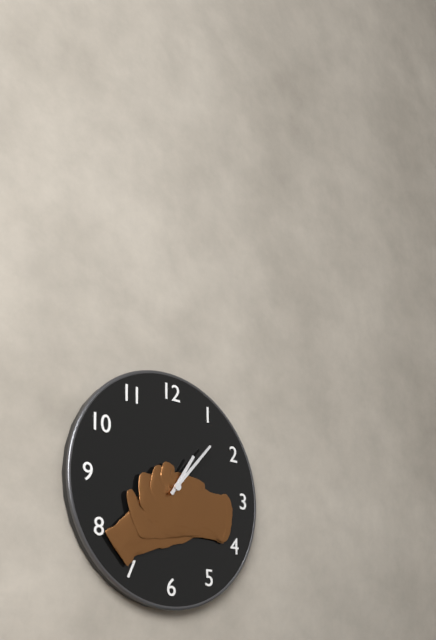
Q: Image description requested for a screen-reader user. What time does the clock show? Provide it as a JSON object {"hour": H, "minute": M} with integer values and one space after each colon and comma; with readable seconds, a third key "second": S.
{"hour": 1, "minute": 7}
